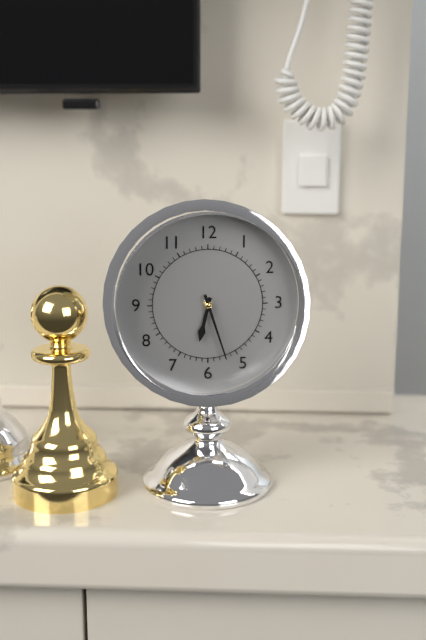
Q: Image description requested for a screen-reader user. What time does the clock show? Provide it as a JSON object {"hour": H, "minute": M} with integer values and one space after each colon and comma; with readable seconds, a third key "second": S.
{"hour": 6, "minute": 27}
